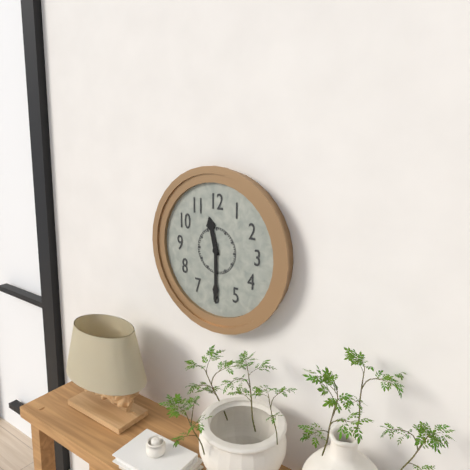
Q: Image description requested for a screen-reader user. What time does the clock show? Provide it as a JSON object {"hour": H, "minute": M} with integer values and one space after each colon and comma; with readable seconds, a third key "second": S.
{"hour": 11, "minute": 30}
